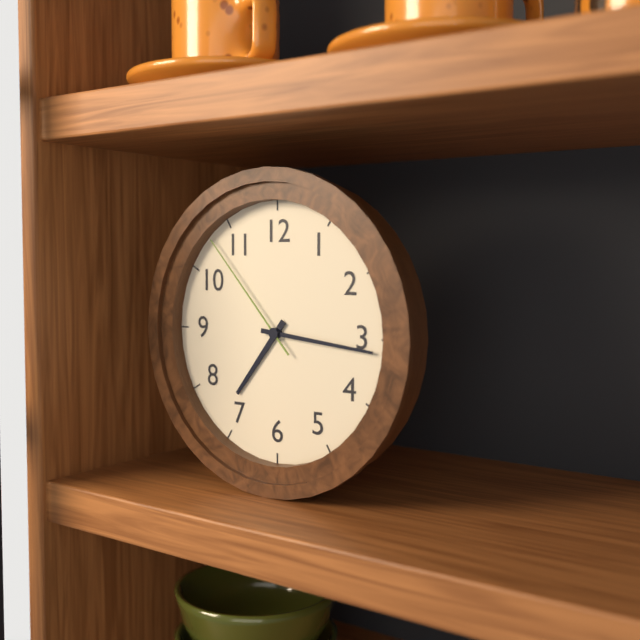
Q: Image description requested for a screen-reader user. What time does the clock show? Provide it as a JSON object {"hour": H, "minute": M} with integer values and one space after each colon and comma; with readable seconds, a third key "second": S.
{"hour": 7, "minute": 16, "second": 53}
